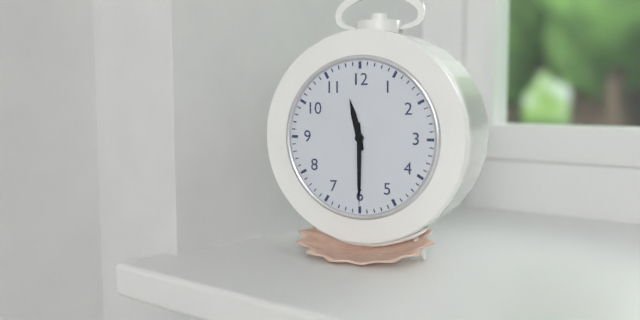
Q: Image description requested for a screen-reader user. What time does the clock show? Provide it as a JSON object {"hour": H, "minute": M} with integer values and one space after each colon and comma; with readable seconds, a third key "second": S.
{"hour": 11, "minute": 30}
